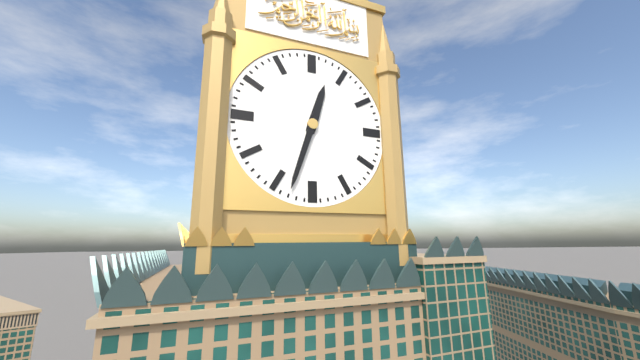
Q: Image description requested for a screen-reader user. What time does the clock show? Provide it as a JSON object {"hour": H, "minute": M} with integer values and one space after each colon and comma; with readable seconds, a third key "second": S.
{"hour": 12, "minute": 33}
